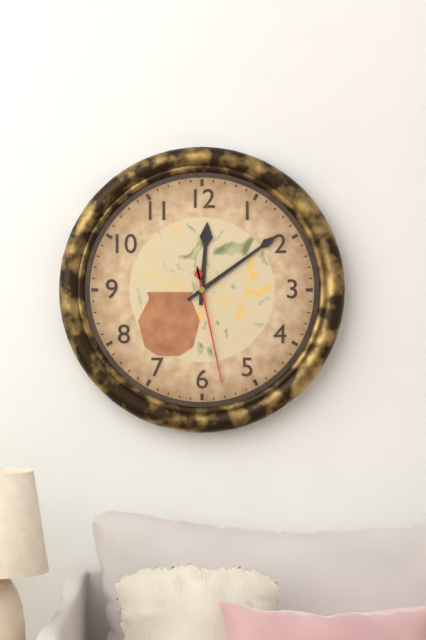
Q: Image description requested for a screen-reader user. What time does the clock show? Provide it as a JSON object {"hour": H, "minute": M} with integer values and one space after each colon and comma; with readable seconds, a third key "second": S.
{"hour": 12, "minute": 9, "second": 28}
